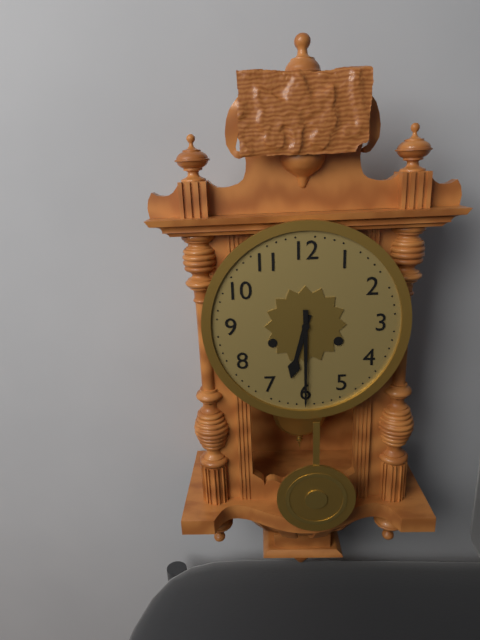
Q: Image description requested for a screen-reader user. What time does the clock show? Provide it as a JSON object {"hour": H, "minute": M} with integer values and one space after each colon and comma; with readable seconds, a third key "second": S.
{"hour": 6, "minute": 30}
